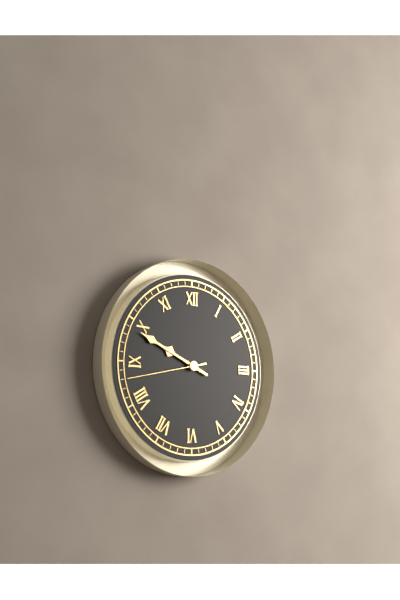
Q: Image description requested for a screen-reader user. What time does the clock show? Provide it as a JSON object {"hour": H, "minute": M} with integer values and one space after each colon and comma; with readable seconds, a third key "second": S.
{"hour": 9, "minute": 49, "second": 43}
